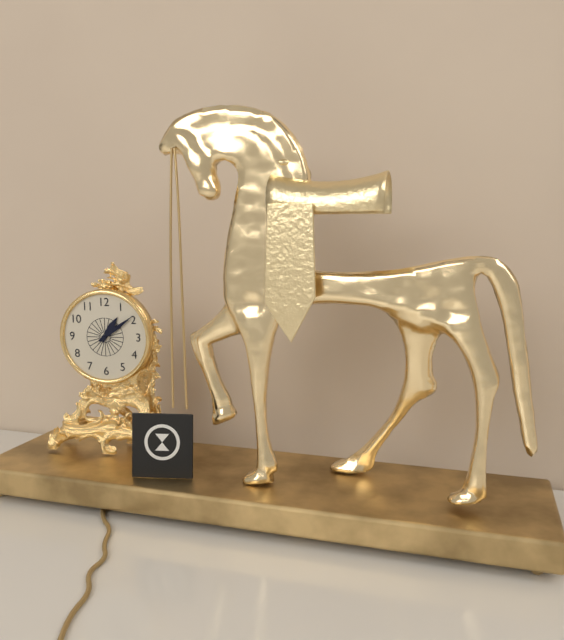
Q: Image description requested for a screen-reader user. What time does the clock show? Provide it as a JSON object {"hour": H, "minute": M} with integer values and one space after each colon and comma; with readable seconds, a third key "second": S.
{"hour": 1, "minute": 9}
